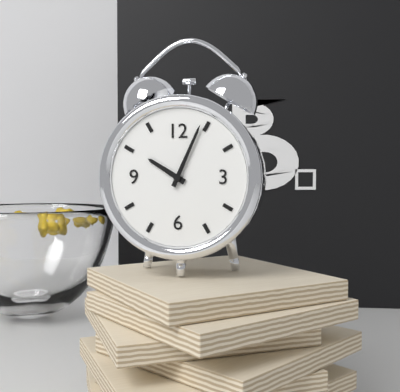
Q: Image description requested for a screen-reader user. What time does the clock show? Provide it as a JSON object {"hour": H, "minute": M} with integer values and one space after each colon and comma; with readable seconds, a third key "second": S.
{"hour": 10, "minute": 4}
